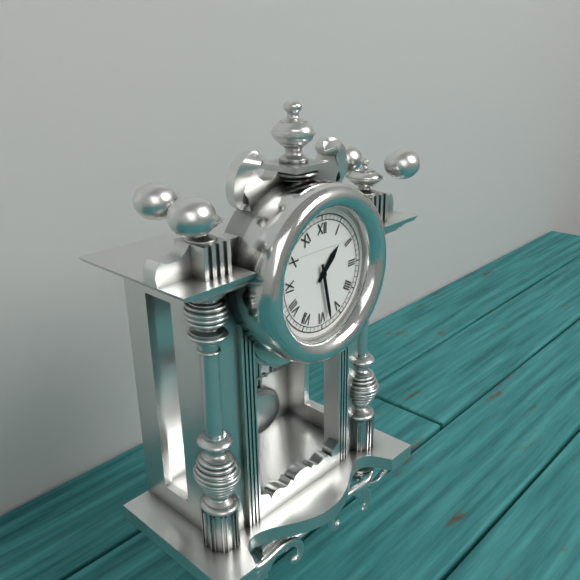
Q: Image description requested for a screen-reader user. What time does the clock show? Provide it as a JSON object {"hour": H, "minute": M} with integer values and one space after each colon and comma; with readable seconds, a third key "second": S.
{"hour": 1, "minute": 28}
